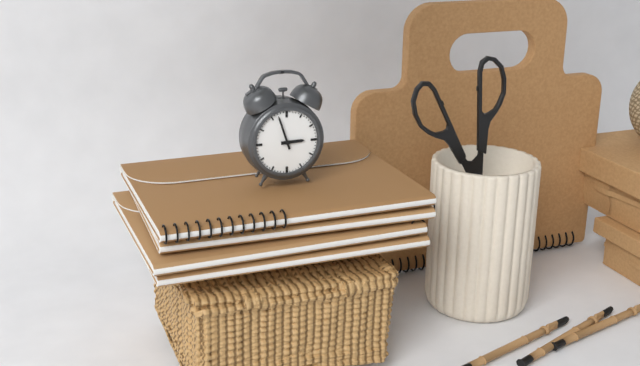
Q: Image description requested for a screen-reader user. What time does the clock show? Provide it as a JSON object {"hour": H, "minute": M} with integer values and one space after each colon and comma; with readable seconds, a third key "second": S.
{"hour": 2, "minute": 57}
